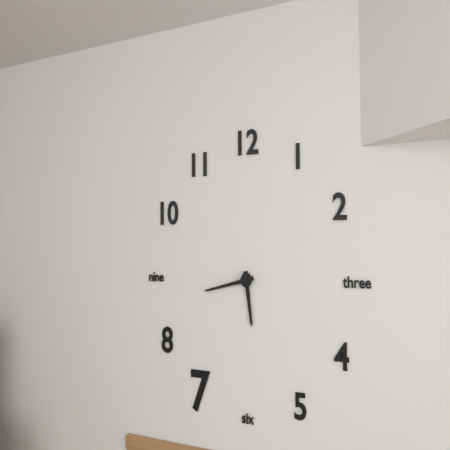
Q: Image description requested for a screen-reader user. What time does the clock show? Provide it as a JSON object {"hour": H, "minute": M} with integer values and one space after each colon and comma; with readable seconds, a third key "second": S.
{"hour": 5, "minute": 43}
